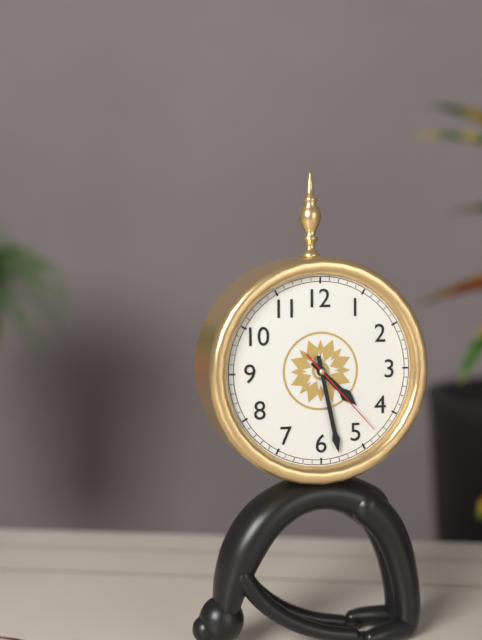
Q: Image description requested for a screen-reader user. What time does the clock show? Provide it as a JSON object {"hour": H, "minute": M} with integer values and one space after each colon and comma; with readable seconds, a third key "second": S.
{"hour": 4, "minute": 28, "second": 23}
